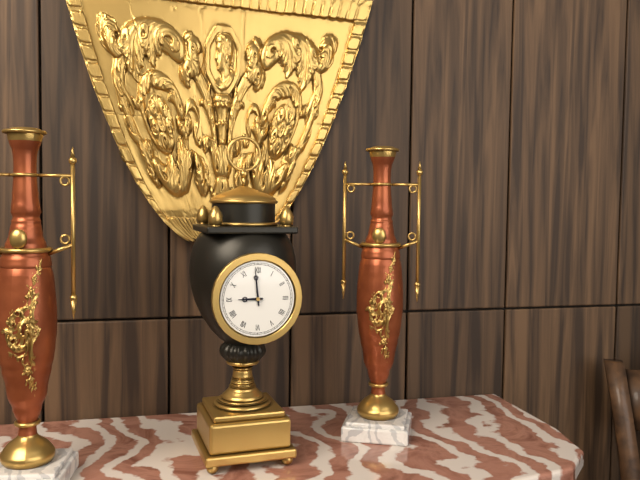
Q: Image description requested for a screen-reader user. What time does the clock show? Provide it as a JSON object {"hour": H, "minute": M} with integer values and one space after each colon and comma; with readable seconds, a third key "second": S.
{"hour": 8, "minute": 59}
